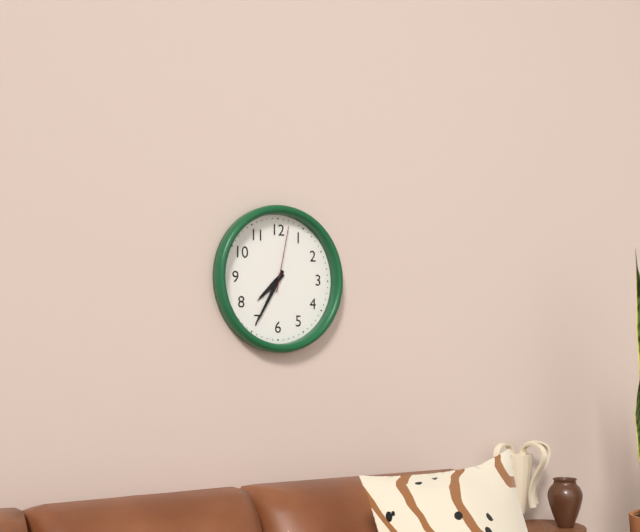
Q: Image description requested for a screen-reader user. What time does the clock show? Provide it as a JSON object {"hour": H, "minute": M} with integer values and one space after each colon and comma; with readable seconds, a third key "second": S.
{"hour": 7, "minute": 35, "second": 2}
